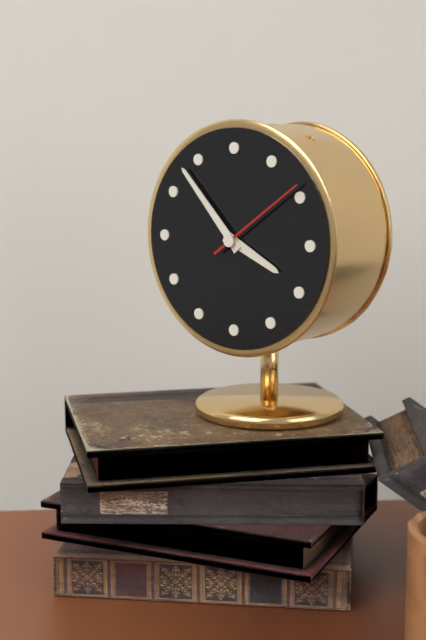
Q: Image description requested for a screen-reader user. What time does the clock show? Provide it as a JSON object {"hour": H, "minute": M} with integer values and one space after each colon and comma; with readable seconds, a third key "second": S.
{"hour": 3, "minute": 53, "second": 9}
